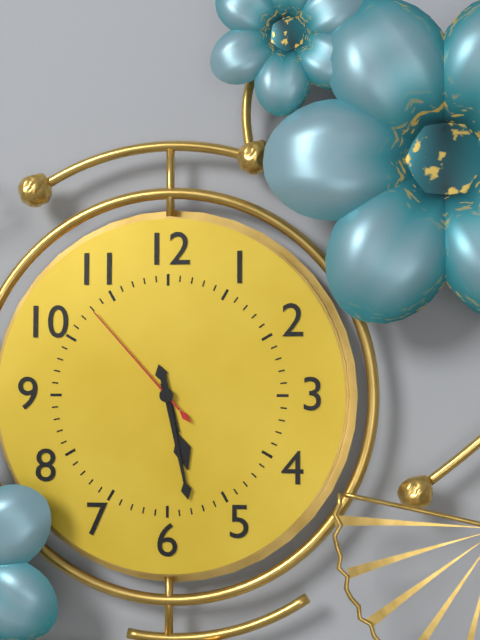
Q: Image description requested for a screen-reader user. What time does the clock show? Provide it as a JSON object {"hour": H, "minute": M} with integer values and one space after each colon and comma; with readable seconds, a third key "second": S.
{"hour": 5, "minute": 28, "second": 53}
